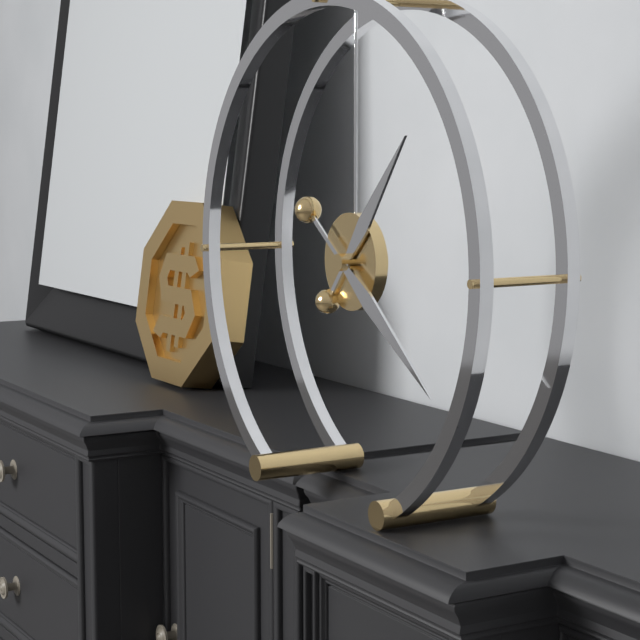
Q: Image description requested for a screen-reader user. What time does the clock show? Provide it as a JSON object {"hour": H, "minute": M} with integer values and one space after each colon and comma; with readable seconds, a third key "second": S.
{"hour": 1, "minute": 21}
